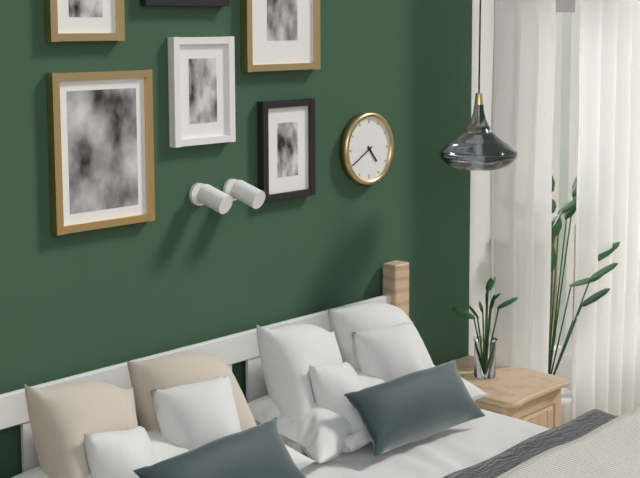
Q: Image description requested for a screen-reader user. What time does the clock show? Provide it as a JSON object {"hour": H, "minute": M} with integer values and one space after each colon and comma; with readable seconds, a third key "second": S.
{"hour": 4, "minute": 40}
